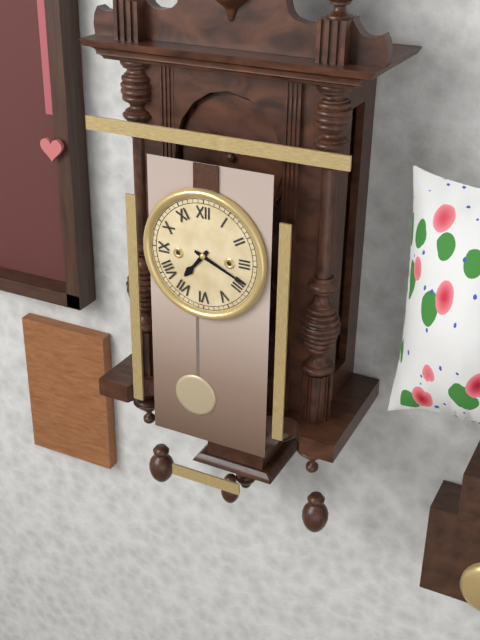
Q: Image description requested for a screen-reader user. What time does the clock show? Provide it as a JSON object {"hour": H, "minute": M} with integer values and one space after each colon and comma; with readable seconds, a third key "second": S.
{"hour": 7, "minute": 19}
